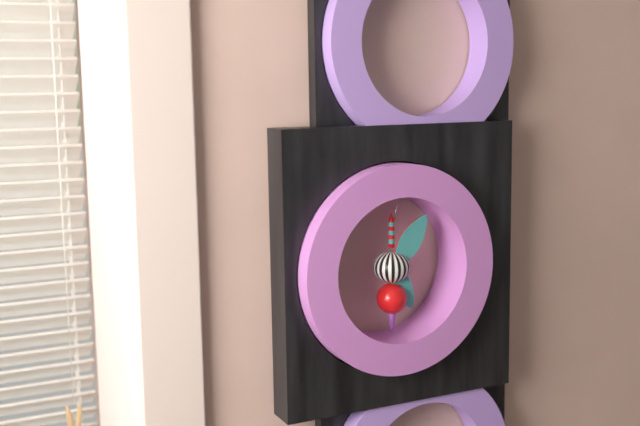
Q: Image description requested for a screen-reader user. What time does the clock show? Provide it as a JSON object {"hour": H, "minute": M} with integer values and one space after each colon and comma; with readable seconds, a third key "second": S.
{"hour": 5, "minute": 6}
